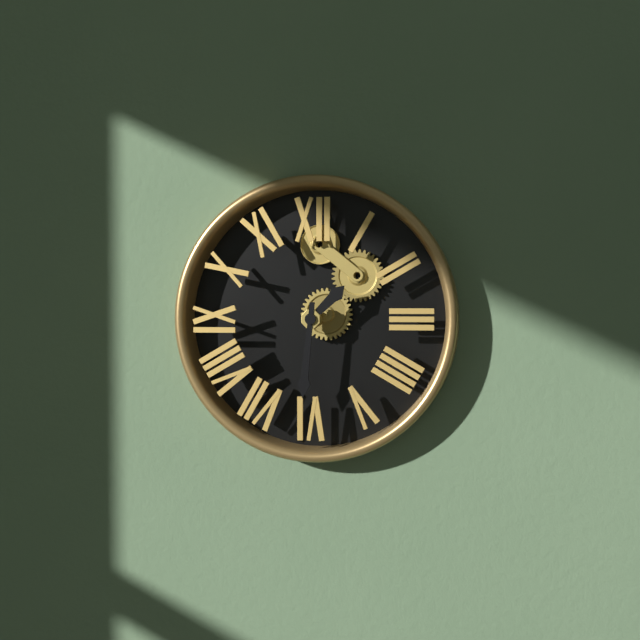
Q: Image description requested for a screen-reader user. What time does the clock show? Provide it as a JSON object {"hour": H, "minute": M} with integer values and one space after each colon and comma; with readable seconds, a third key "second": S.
{"hour": 1, "minute": 31}
